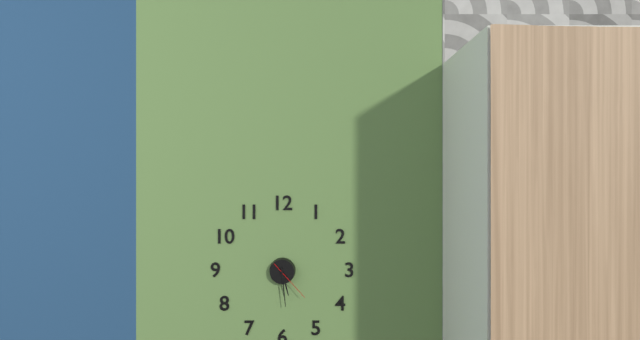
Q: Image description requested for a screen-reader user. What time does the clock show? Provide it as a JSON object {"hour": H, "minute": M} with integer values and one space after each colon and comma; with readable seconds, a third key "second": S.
{"hour": 5, "minute": 29}
